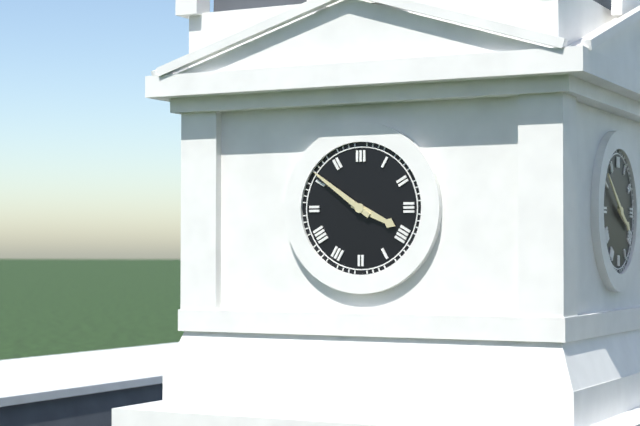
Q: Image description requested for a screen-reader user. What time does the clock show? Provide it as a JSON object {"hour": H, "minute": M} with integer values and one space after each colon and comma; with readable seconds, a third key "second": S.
{"hour": 3, "minute": 51}
